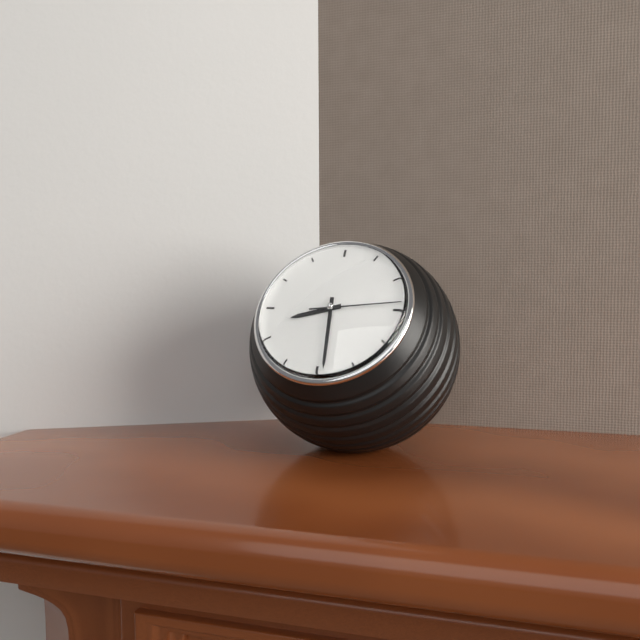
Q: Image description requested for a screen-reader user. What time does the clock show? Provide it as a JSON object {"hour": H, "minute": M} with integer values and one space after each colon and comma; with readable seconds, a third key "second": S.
{"hour": 8, "minute": 29, "second": 14}
